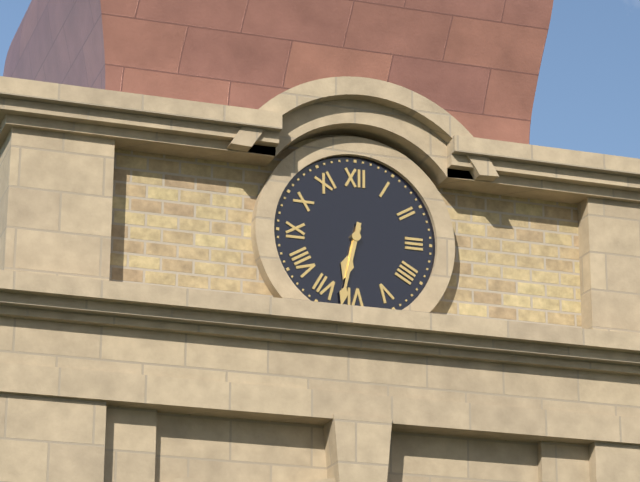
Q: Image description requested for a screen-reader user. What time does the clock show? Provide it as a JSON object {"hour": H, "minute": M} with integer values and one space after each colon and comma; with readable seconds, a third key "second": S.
{"hour": 6, "minute": 32}
